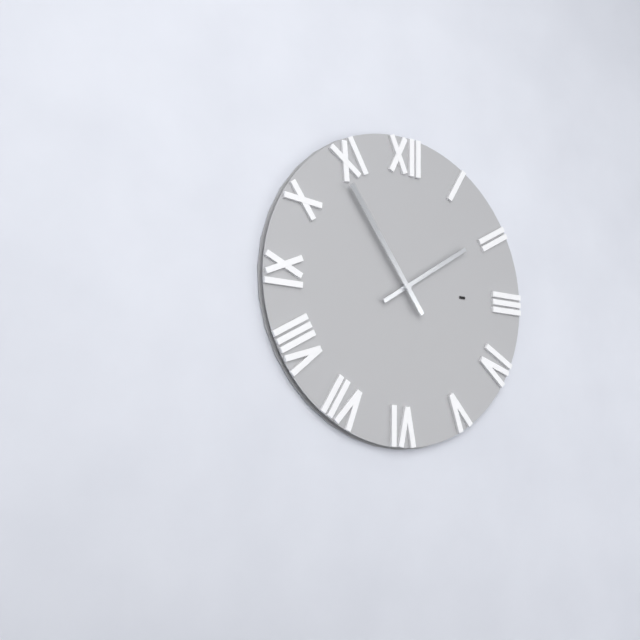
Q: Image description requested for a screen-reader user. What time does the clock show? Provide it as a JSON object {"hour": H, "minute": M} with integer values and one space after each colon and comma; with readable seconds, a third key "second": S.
{"hour": 1, "minute": 54}
